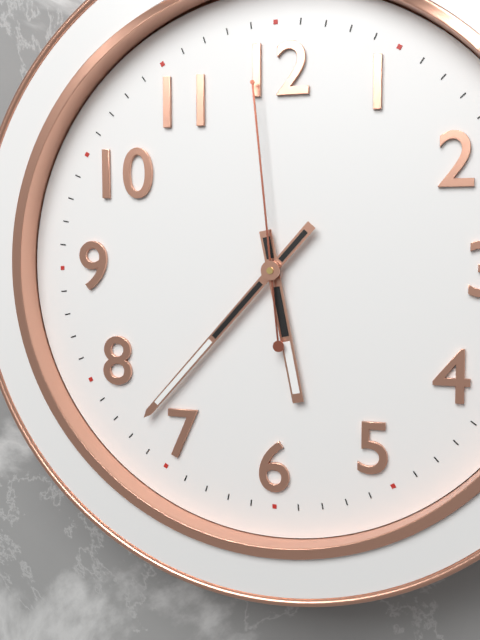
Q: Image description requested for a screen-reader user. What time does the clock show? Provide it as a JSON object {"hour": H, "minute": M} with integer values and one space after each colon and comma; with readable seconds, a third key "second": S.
{"hour": 5, "minute": 37, "second": 59}
